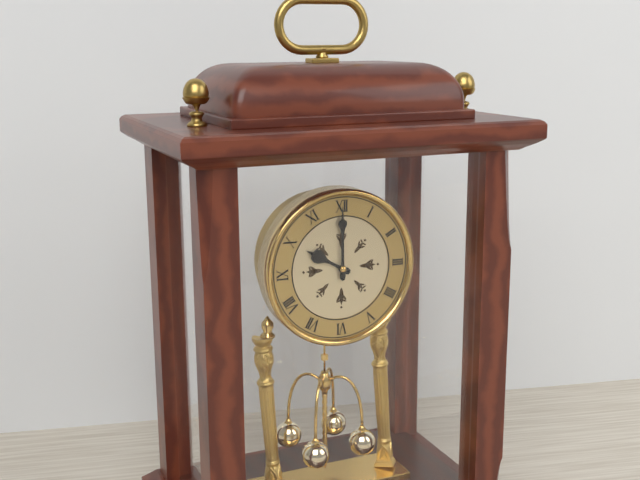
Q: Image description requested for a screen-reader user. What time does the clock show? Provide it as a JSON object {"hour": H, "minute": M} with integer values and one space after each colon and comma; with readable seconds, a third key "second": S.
{"hour": 10, "minute": 0}
